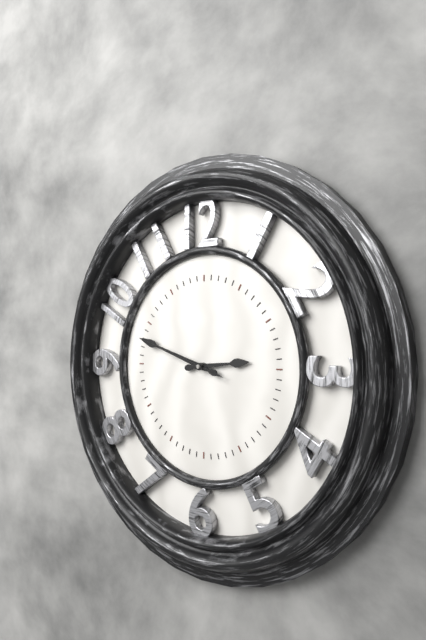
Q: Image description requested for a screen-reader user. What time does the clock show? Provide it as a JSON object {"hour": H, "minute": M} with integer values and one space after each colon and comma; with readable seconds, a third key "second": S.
{"hour": 2, "minute": 48, "second": 48}
